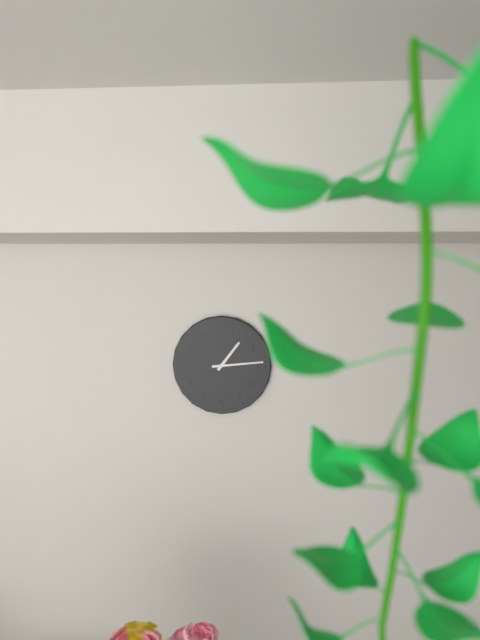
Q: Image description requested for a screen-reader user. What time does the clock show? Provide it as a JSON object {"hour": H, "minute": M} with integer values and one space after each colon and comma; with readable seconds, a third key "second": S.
{"hour": 1, "minute": 14}
